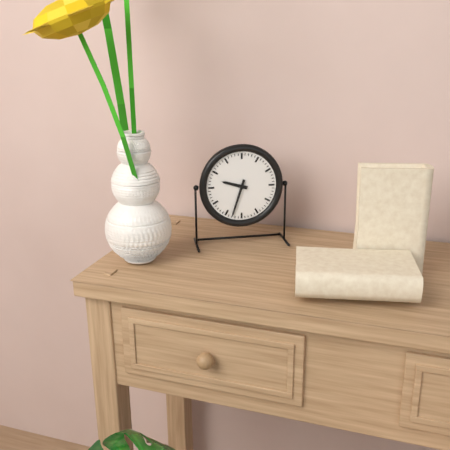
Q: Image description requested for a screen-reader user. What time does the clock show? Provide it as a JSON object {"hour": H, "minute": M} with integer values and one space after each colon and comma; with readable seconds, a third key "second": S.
{"hour": 9, "minute": 33}
